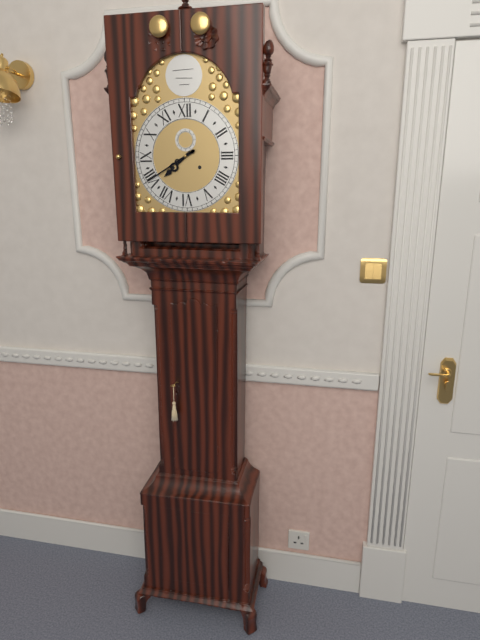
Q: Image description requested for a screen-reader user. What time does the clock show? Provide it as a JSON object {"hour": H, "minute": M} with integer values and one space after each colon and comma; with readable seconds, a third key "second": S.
{"hour": 7, "minute": 40}
